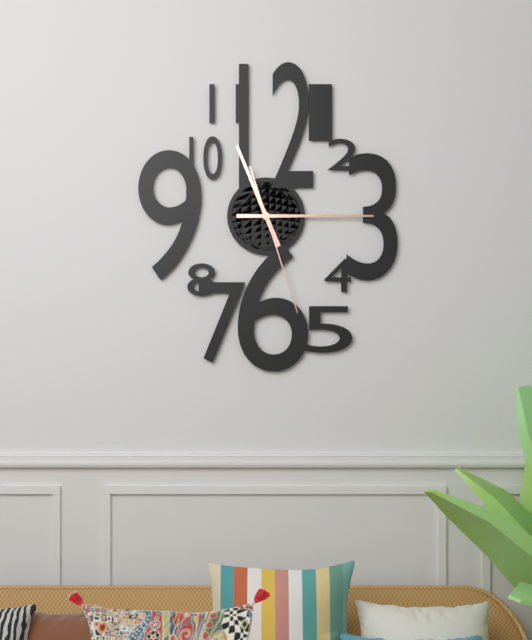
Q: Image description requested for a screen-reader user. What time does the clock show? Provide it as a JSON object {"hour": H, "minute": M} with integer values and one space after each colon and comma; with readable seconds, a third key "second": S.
{"hour": 11, "minute": 15, "second": 27}
